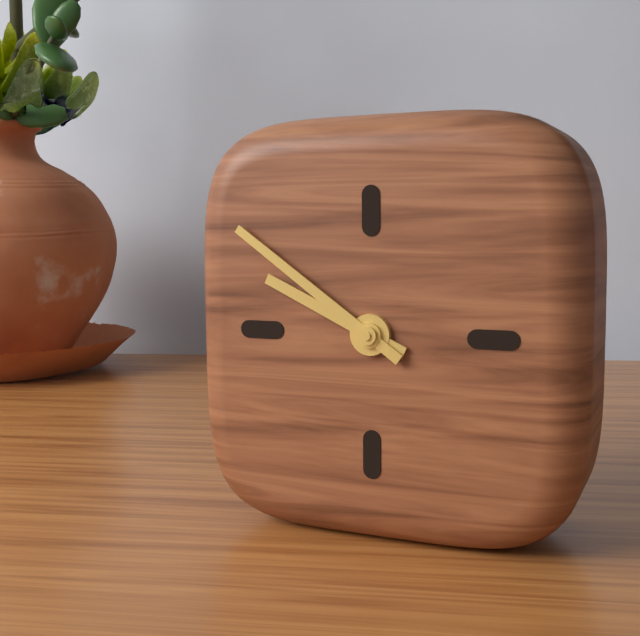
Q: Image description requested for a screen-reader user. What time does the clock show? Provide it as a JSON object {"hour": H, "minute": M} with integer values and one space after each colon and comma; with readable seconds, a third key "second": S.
{"hour": 9, "minute": 51}
